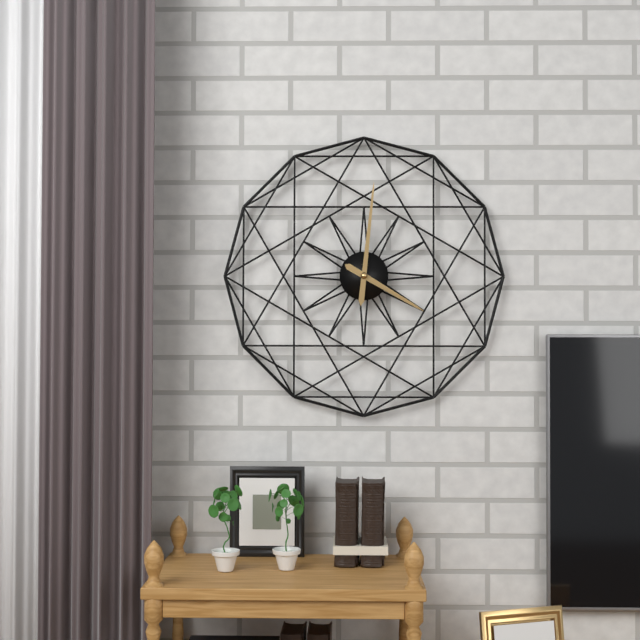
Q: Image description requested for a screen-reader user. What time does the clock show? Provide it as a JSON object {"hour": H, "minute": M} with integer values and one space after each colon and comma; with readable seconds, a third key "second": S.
{"hour": 4, "minute": 1}
